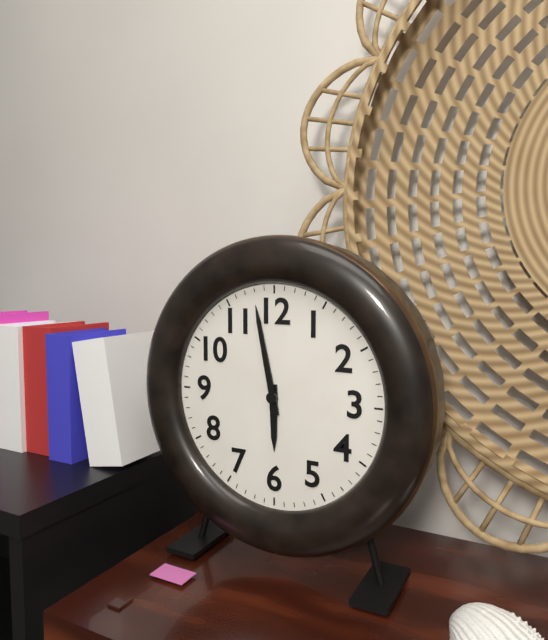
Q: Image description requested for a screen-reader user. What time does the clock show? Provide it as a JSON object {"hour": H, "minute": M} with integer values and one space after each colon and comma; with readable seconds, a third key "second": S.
{"hour": 5, "minute": 58}
